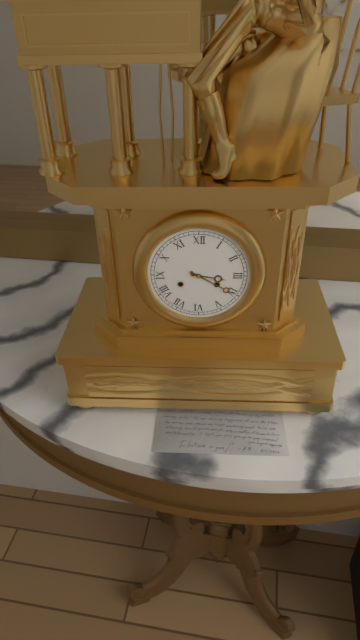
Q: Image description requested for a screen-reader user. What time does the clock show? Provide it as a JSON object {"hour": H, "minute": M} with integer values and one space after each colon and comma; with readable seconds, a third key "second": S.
{"hour": 3, "minute": 20}
